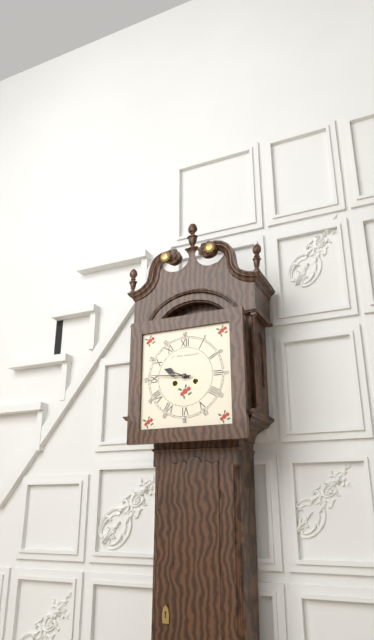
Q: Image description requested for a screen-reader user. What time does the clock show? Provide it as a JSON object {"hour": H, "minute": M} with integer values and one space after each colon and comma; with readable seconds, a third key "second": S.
{"hour": 9, "minute": 46}
